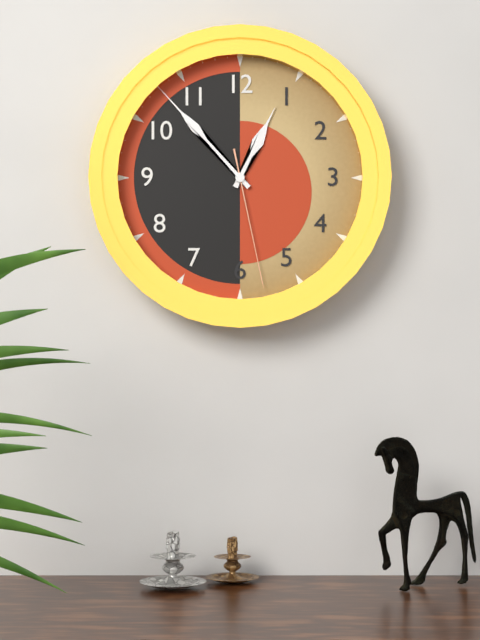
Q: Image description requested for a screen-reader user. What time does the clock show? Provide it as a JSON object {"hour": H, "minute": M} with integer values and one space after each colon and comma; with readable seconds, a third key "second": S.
{"hour": 12, "minute": 53, "second": 28}
